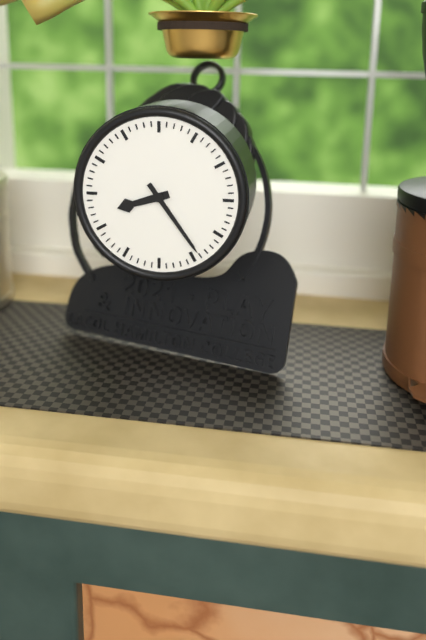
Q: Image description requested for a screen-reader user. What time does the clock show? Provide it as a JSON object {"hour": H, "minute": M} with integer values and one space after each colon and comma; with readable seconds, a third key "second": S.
{"hour": 8, "minute": 24}
